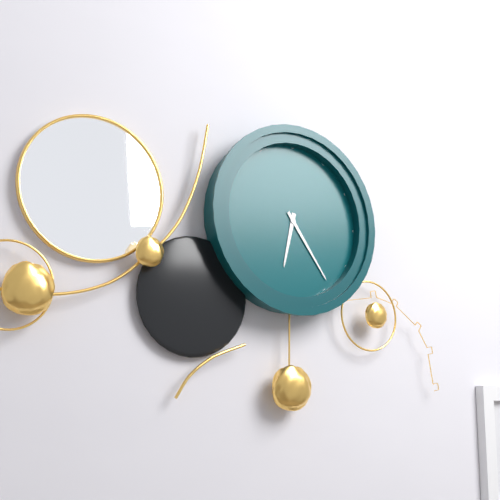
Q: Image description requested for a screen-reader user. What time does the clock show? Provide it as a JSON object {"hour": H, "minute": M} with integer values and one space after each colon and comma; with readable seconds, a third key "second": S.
{"hour": 6, "minute": 24}
